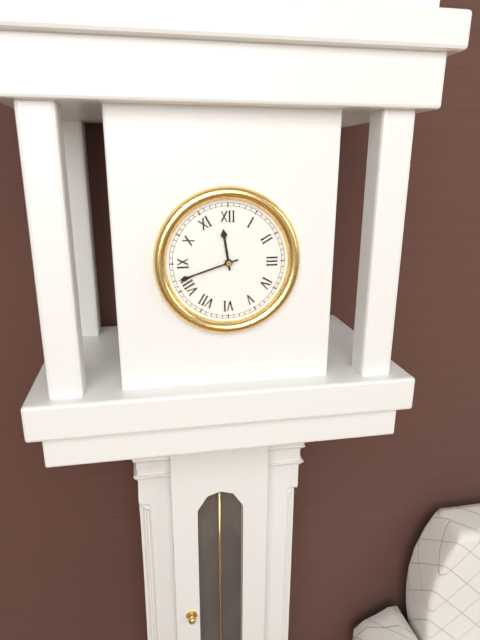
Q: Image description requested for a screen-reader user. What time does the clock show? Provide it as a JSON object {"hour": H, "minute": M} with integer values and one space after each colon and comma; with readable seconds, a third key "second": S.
{"hour": 11, "minute": 42}
